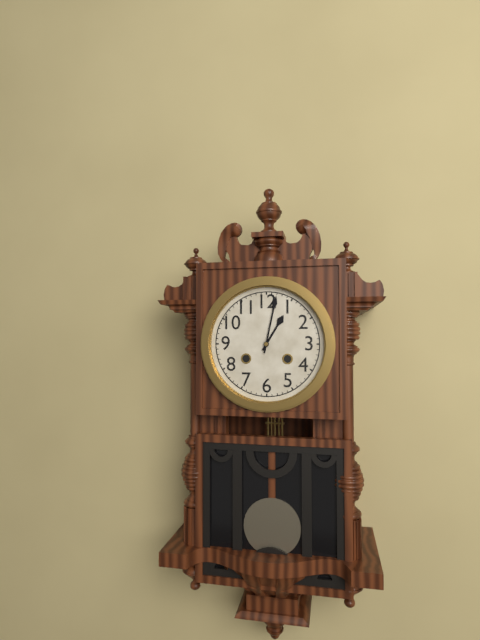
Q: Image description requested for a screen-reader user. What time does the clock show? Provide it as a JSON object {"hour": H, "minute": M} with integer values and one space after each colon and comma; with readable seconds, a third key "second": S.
{"hour": 1, "minute": 2}
